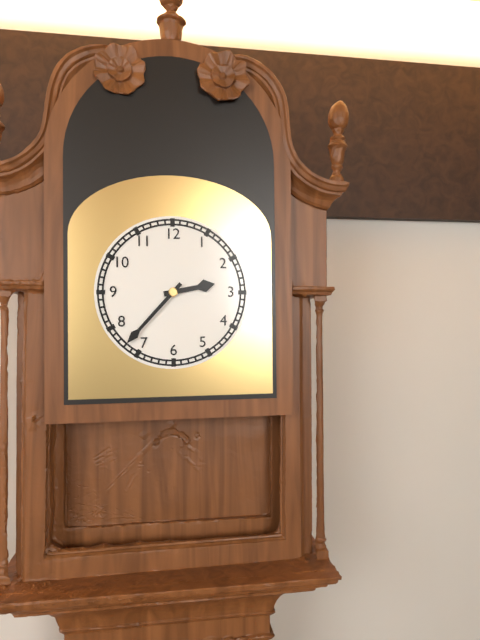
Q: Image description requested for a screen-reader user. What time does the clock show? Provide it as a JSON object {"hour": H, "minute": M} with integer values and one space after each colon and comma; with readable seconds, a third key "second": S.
{"hour": 2, "minute": 37}
